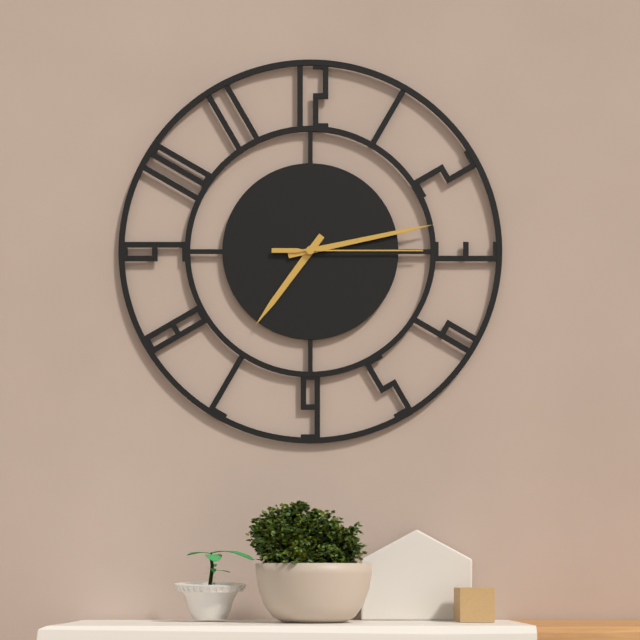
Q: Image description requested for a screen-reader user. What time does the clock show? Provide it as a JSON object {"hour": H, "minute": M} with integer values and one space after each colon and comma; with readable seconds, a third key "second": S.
{"hour": 7, "minute": 13, "second": 15}
